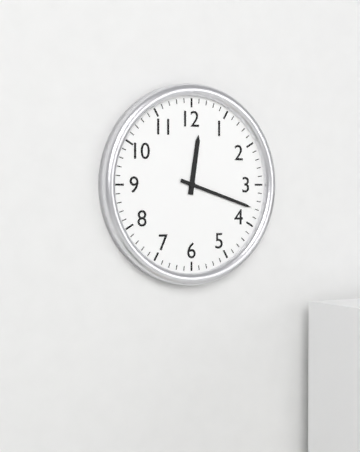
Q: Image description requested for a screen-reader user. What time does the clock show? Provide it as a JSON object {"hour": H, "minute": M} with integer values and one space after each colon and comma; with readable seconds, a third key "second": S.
{"hour": 12, "minute": 18}
